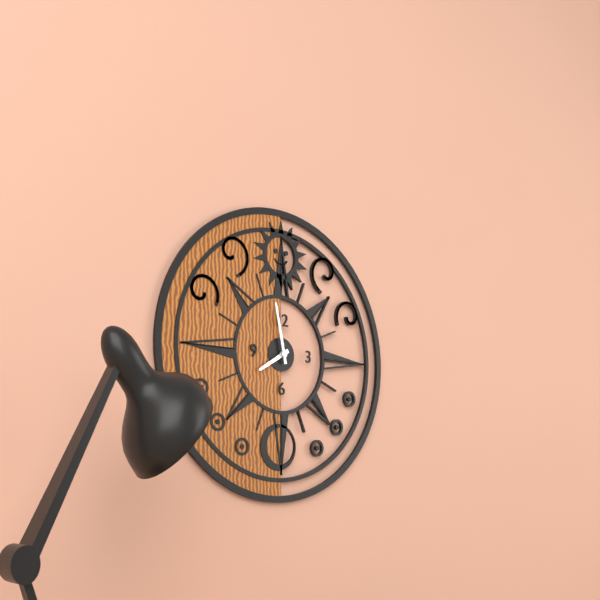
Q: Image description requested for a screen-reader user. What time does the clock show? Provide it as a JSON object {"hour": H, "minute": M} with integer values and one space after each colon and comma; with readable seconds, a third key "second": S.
{"hour": 7, "minute": 58}
